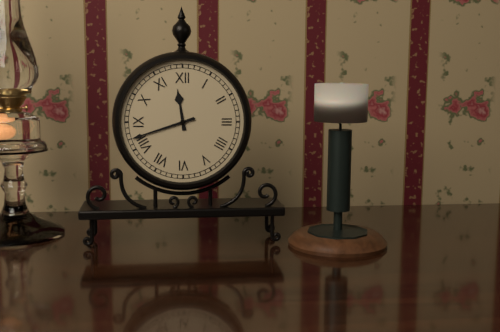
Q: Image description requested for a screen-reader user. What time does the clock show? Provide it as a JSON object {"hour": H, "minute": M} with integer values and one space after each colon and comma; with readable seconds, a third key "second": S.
{"hour": 11, "minute": 42}
